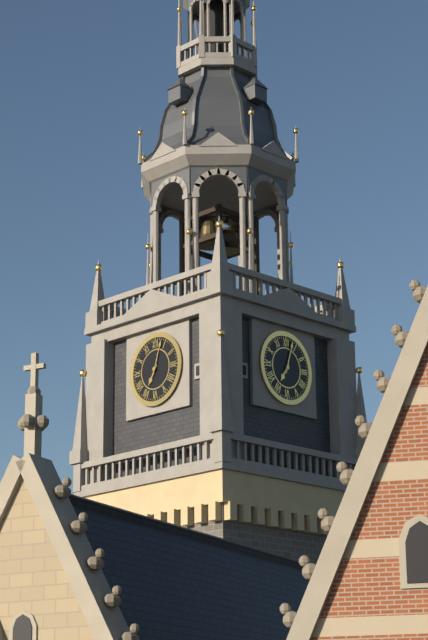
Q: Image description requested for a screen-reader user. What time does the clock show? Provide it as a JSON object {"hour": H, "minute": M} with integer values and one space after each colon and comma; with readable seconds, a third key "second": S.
{"hour": 7, "minute": 3}
